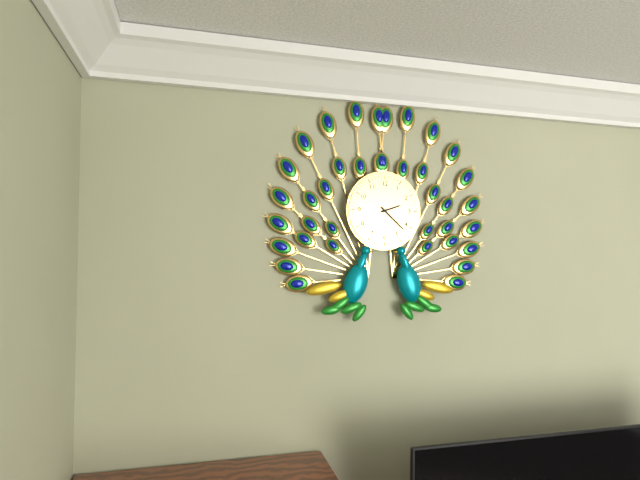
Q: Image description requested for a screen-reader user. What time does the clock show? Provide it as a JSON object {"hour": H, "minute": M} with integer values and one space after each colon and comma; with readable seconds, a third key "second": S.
{"hour": 2, "minute": 22}
